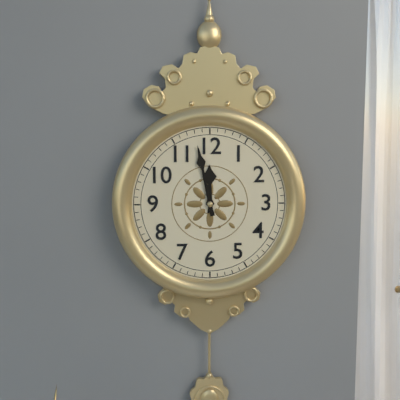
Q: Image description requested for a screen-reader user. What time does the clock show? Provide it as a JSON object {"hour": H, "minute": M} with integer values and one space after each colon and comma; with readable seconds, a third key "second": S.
{"hour": 11, "minute": 58}
